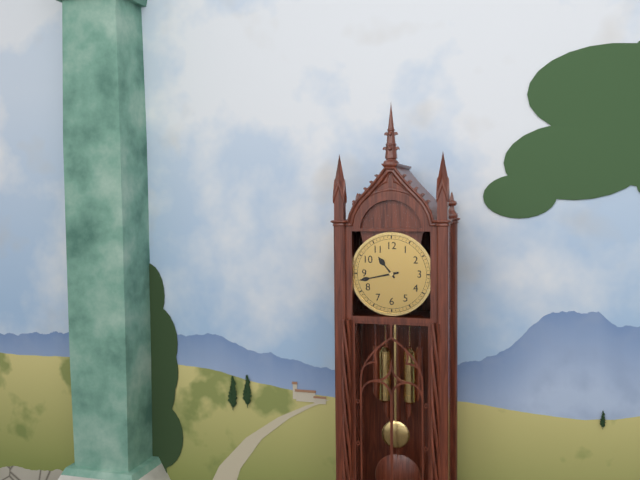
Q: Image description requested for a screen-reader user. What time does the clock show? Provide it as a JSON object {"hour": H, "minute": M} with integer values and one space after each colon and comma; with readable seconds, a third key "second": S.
{"hour": 10, "minute": 43}
